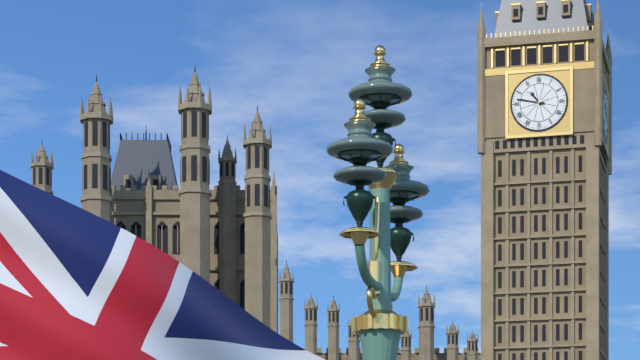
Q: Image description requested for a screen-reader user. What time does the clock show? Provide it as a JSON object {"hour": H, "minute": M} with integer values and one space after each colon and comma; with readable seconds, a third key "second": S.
{"hour": 10, "minute": 47}
